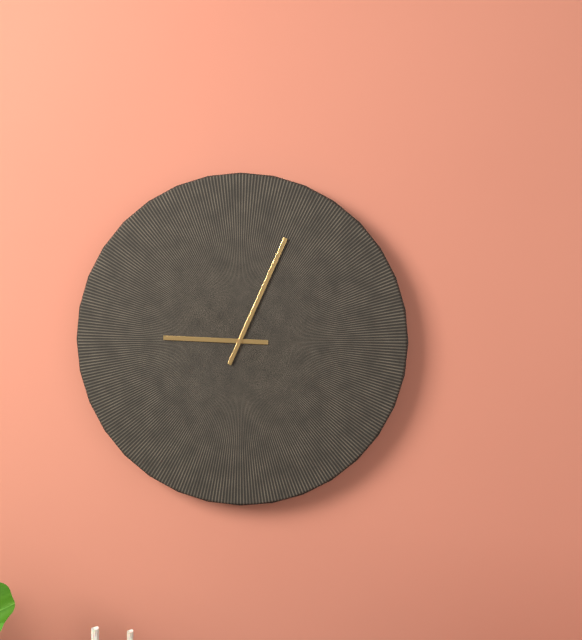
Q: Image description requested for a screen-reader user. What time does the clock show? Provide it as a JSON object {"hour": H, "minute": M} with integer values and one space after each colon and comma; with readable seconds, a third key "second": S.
{"hour": 9, "minute": 4}
